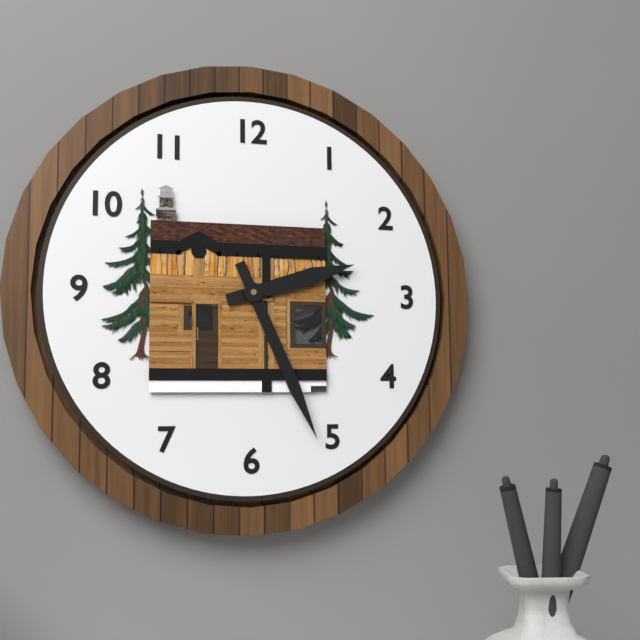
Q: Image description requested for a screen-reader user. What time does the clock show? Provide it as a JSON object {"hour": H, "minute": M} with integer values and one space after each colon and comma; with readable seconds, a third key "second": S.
{"hour": 2, "minute": 26}
